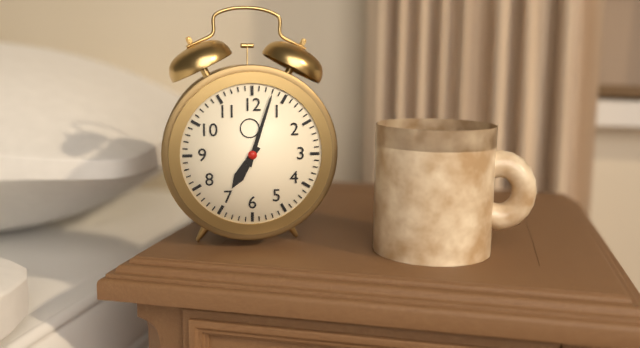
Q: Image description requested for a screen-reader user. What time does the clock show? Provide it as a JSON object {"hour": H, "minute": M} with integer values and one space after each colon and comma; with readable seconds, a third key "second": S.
{"hour": 7, "minute": 3}
